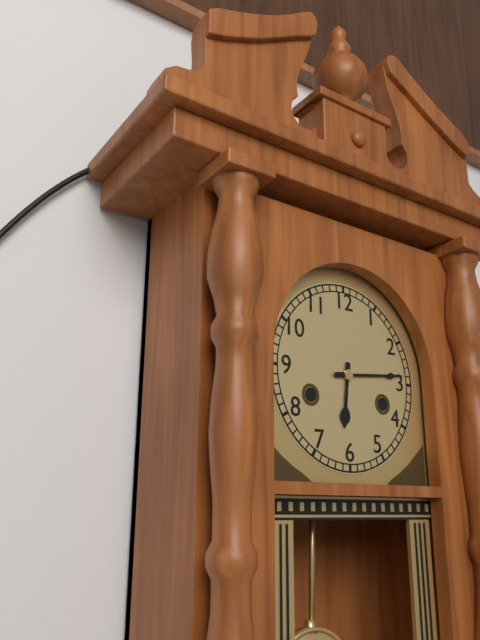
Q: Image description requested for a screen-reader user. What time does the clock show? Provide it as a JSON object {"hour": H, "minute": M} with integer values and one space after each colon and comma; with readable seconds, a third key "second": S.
{"hour": 6, "minute": 14}
